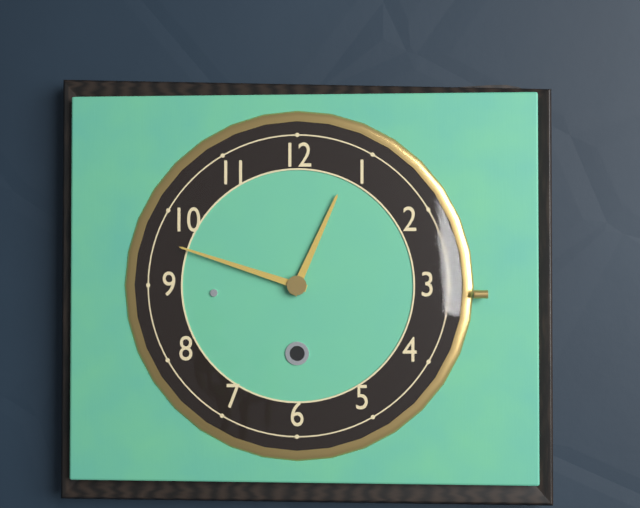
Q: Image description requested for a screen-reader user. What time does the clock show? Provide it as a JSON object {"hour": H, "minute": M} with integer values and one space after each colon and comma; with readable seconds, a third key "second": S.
{"hour": 12, "minute": 48}
